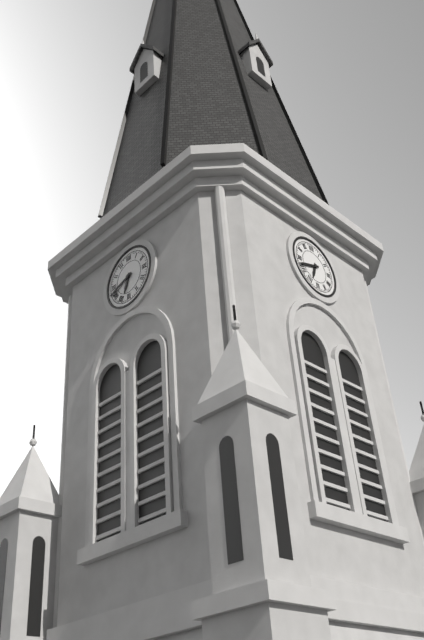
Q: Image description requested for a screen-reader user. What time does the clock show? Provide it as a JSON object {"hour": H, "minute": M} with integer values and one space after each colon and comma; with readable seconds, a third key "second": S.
{"hour": 6, "minute": 42}
